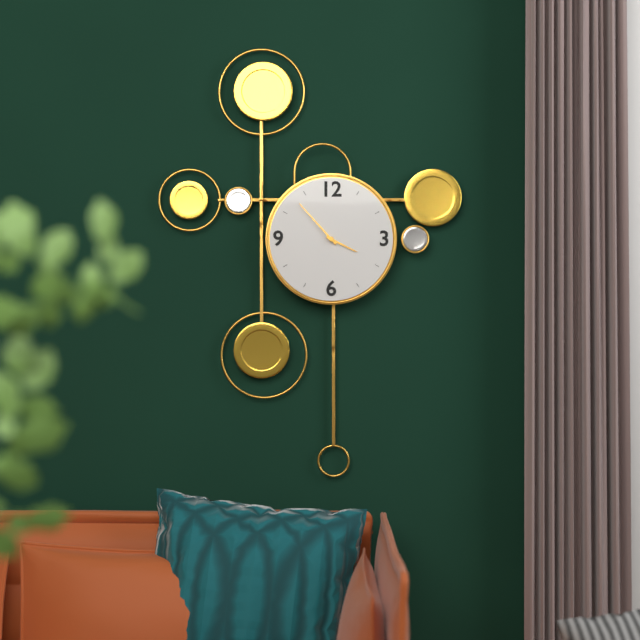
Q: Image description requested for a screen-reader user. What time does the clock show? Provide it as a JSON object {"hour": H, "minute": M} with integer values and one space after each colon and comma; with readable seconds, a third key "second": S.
{"hour": 3, "minute": 53}
